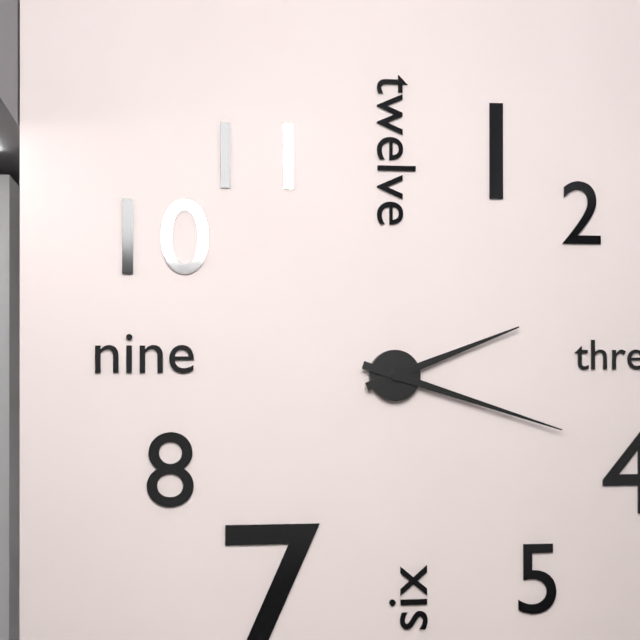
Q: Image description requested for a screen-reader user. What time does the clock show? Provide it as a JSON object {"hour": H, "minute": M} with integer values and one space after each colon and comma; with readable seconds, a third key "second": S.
{"hour": 2, "minute": 18}
